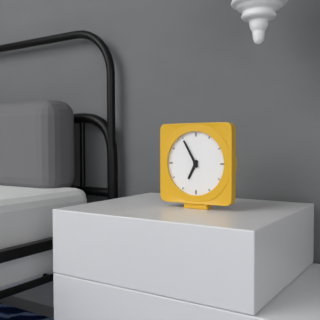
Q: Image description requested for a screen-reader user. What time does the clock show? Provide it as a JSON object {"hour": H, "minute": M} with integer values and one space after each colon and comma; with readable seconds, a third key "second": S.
{"hour": 6, "minute": 55}
